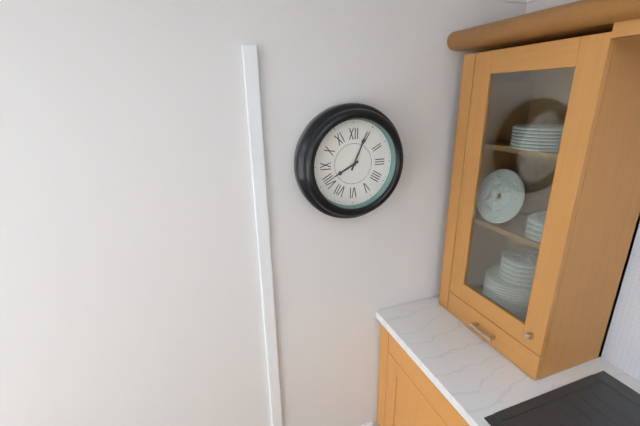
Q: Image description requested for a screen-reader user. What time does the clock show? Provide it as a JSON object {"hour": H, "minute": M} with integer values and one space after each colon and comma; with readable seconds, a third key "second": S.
{"hour": 8, "minute": 4}
